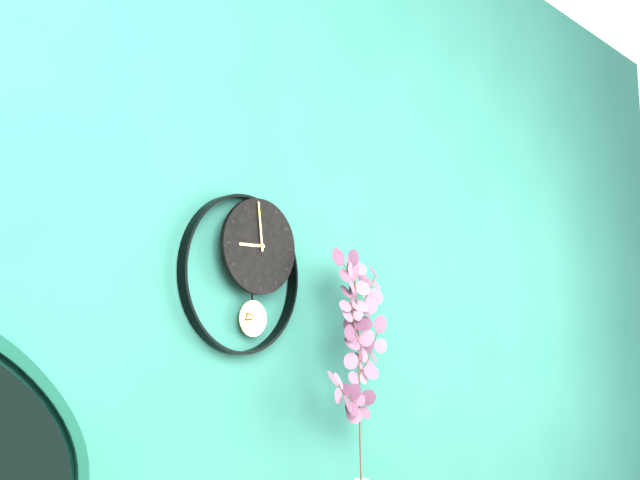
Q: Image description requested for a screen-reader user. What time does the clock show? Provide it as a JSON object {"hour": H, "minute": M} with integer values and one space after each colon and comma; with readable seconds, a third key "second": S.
{"hour": 8, "minute": 59}
